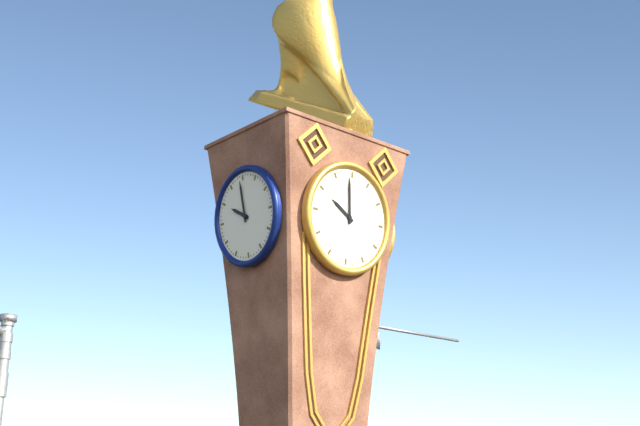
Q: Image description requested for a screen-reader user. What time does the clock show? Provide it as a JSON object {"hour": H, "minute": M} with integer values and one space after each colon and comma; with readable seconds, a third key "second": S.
{"hour": 9, "minute": 59}
